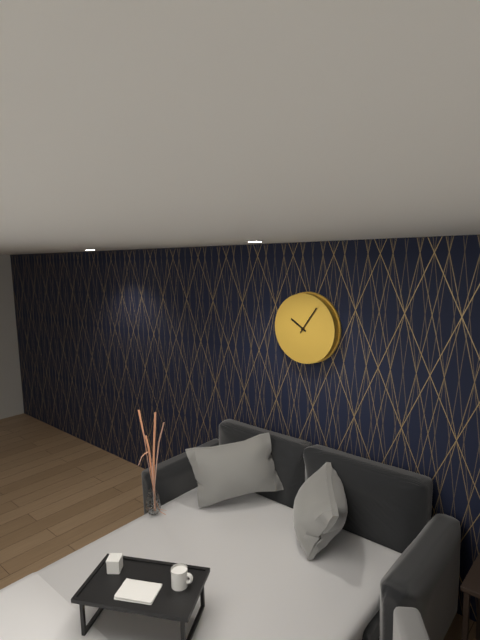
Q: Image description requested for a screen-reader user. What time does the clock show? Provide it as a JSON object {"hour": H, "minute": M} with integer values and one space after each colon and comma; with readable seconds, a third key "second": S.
{"hour": 10, "minute": 6}
